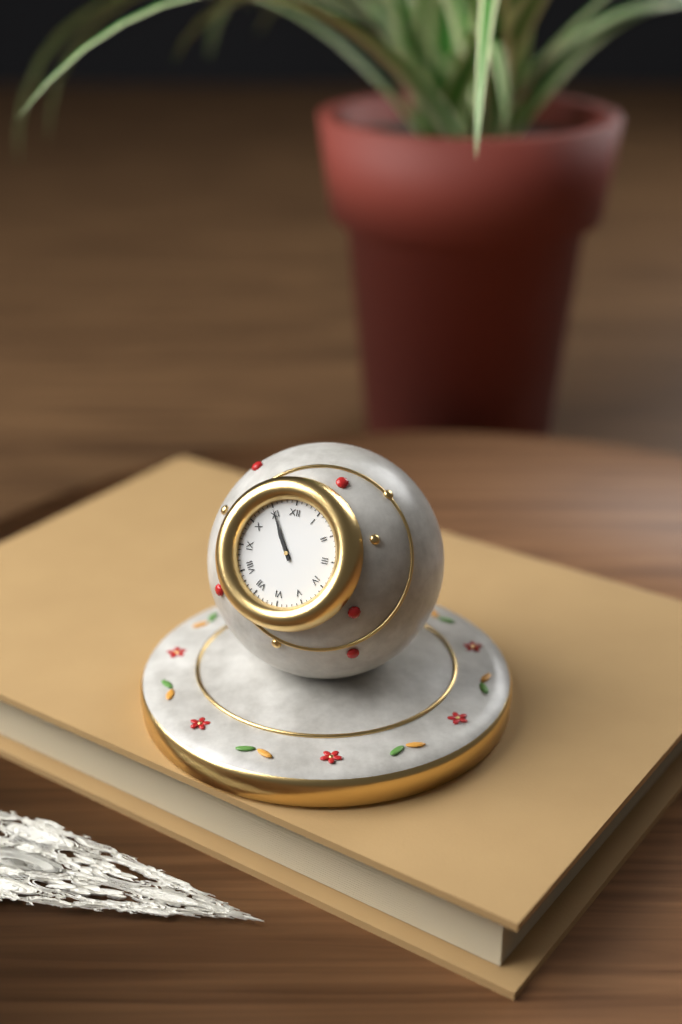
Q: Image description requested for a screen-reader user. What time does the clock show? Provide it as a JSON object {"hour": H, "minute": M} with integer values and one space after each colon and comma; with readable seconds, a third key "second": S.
{"hour": 10, "minute": 55}
